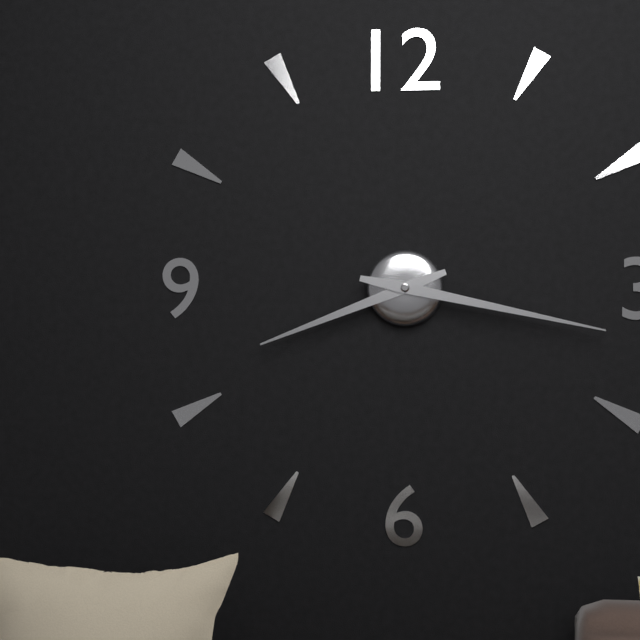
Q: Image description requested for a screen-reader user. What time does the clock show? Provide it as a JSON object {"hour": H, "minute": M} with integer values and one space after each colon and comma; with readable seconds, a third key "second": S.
{"hour": 8, "minute": 17}
